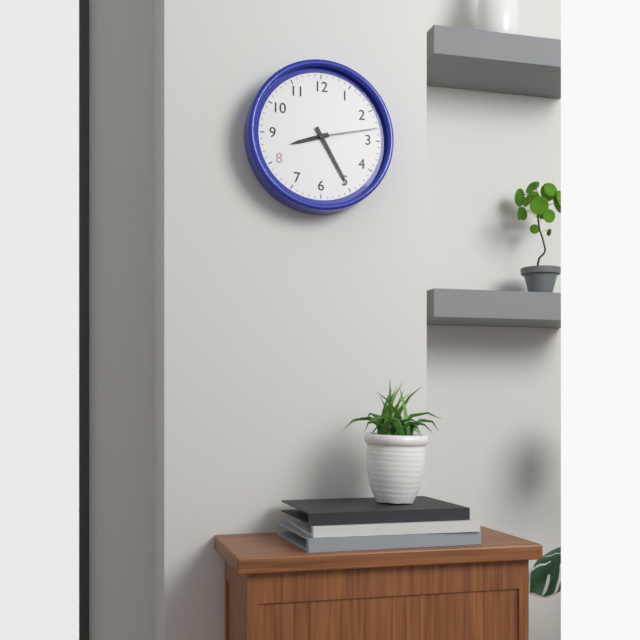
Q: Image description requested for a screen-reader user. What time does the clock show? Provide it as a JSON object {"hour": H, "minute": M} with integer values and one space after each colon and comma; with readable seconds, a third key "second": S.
{"hour": 8, "minute": 25, "second": 13}
